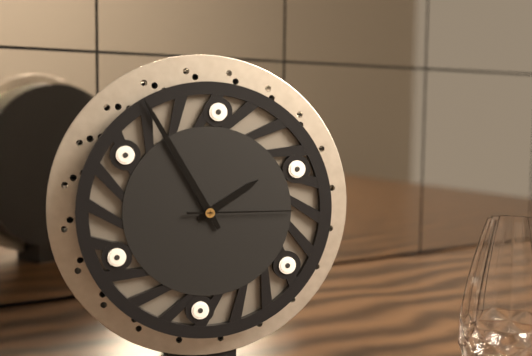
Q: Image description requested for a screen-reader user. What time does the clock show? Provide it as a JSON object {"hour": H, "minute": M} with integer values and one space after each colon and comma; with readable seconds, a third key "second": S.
{"hour": 1, "minute": 55, "second": 15}
